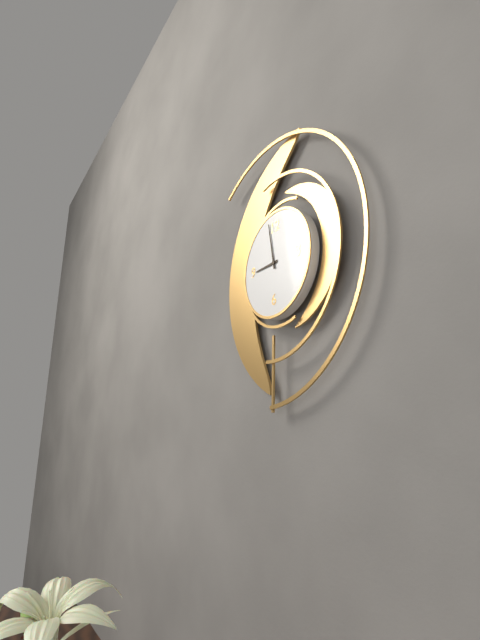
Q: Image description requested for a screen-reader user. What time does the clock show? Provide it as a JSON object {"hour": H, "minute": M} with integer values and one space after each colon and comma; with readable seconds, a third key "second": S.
{"hour": 8, "minute": 58}
